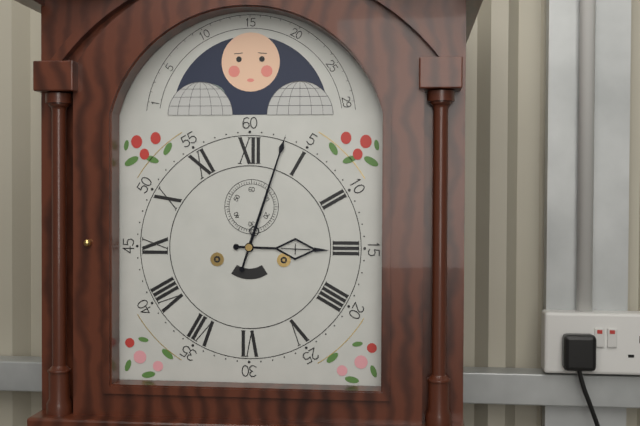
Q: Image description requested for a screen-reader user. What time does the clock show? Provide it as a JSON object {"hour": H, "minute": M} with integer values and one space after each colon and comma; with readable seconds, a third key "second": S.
{"hour": 3, "minute": 3}
